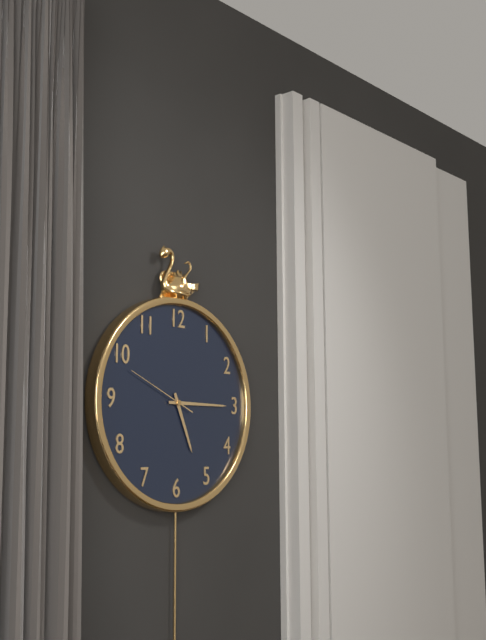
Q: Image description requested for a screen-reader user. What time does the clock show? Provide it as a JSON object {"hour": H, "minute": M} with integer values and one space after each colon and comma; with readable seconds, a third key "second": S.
{"hour": 5, "minute": 15, "second": 49}
